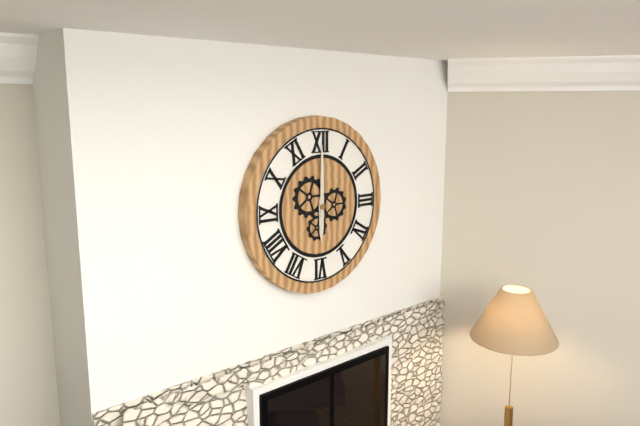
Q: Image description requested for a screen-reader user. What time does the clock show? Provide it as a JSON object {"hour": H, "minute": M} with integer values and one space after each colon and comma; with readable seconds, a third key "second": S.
{"hour": 6, "minute": 0}
